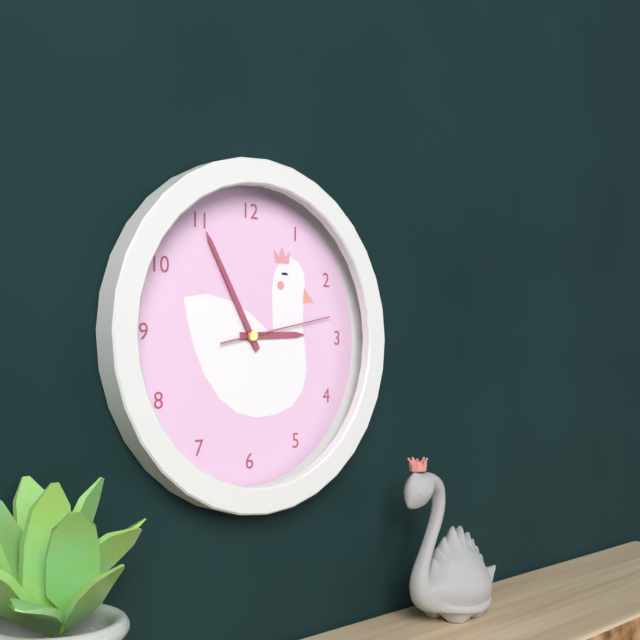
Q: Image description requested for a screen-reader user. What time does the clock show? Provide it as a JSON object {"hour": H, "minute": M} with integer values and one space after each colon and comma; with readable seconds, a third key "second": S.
{"hour": 2, "minute": 55, "second": 13}
